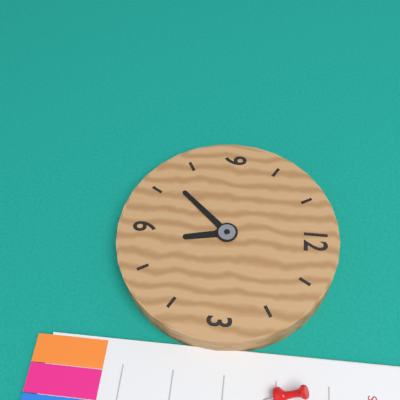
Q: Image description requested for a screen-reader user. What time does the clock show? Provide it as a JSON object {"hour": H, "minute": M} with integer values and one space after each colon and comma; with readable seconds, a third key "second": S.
{"hour": 5, "minute": 37}
